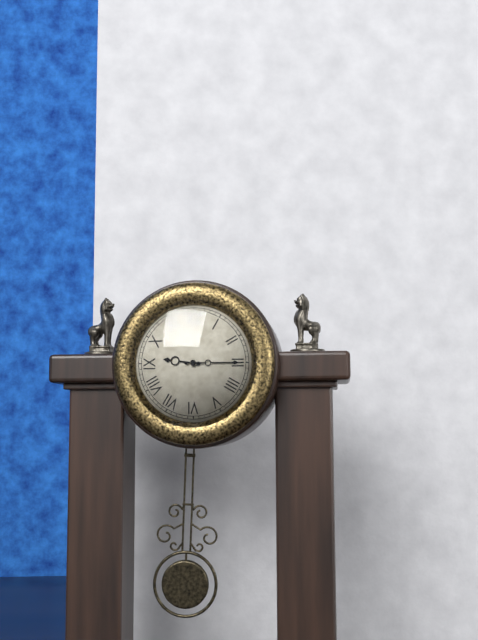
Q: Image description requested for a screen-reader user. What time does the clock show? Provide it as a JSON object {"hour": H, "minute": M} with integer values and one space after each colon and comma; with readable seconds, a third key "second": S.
{"hour": 9, "minute": 15}
